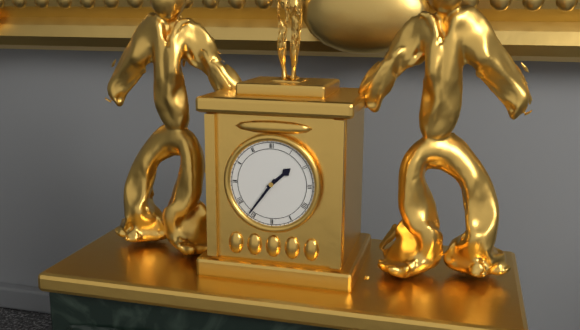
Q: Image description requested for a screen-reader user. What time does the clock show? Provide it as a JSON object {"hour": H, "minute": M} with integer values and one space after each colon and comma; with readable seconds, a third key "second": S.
{"hour": 1, "minute": 36}
